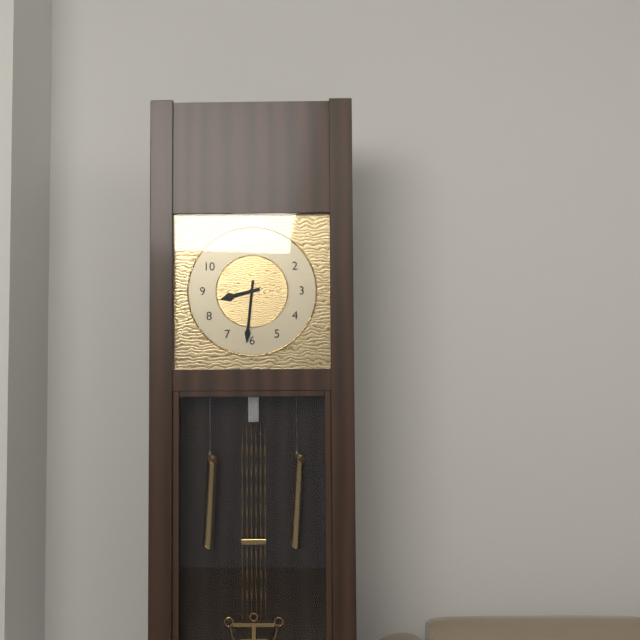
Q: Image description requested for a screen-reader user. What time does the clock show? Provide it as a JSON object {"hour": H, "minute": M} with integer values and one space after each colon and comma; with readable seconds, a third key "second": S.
{"hour": 8, "minute": 31}
